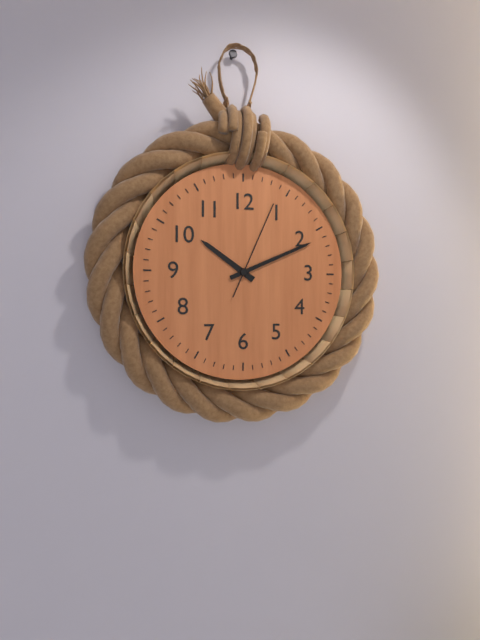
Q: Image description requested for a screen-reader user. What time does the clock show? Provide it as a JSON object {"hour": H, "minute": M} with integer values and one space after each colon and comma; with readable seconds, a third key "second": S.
{"hour": 10, "minute": 11, "second": 4}
